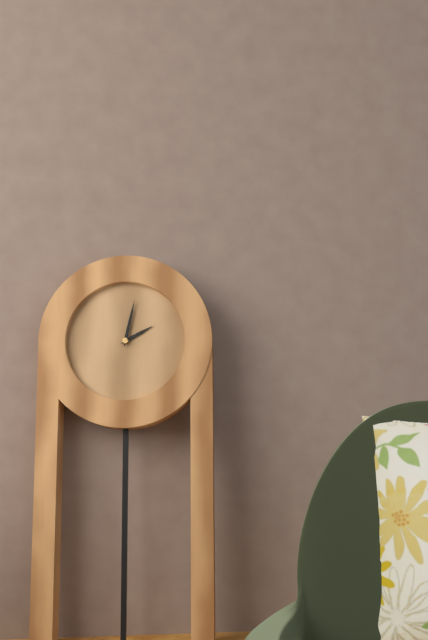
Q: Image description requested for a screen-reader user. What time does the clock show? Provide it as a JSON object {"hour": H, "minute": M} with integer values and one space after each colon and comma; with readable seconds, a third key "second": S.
{"hour": 2, "minute": 2}
